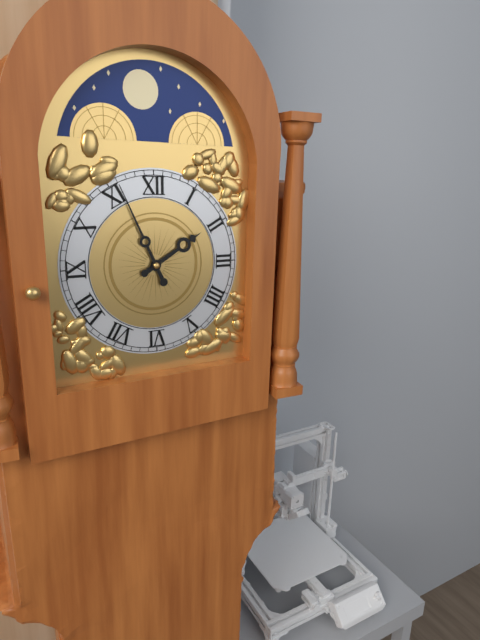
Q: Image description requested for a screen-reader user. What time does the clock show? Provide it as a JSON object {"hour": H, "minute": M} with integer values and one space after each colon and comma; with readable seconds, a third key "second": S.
{"hour": 1, "minute": 56}
